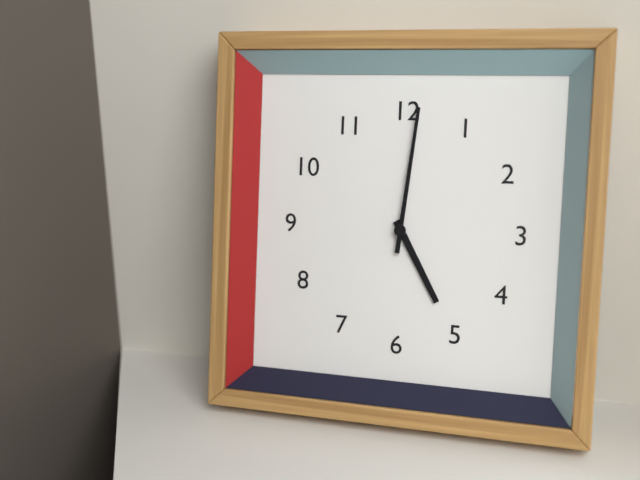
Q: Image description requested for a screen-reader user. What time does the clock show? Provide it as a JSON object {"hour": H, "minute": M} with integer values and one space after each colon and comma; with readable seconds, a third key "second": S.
{"hour": 5, "minute": 1}
